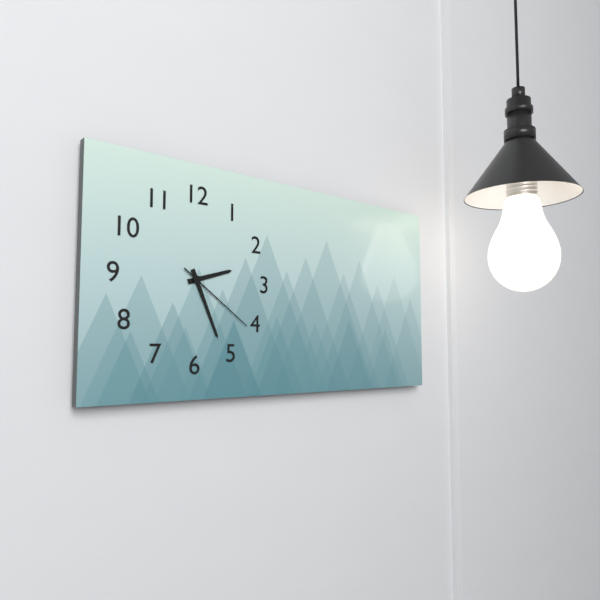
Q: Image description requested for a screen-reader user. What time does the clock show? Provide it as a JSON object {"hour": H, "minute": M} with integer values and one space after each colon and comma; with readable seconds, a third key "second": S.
{"hour": 2, "minute": 26, "second": 21}
